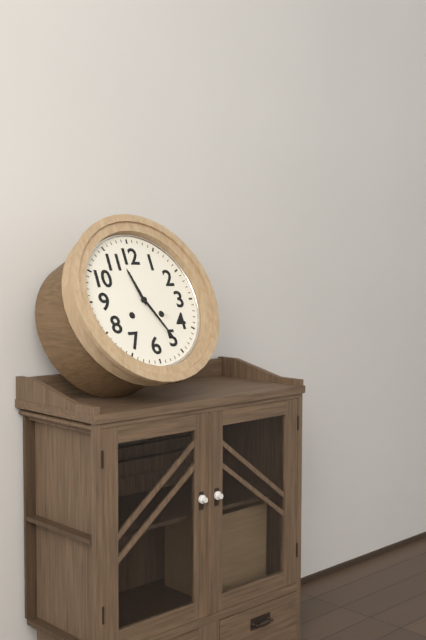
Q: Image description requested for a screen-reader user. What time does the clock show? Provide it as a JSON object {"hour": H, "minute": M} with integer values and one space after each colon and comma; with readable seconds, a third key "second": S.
{"hour": 11, "minute": 25}
